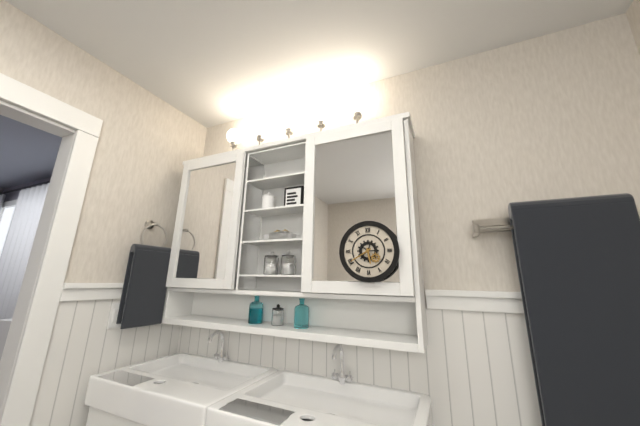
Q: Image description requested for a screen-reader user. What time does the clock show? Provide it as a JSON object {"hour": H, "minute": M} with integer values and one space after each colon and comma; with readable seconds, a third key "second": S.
{"hour": 5, "minute": 40}
